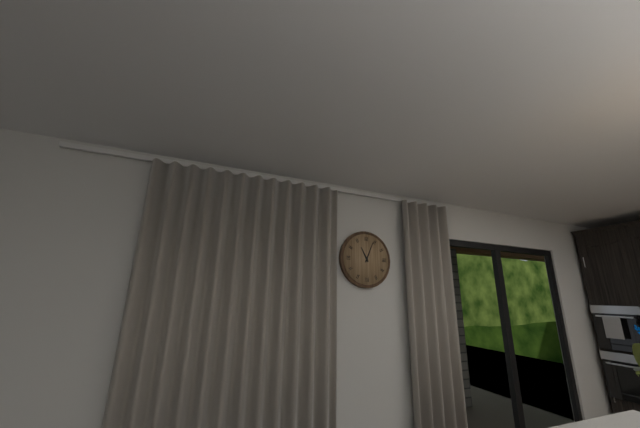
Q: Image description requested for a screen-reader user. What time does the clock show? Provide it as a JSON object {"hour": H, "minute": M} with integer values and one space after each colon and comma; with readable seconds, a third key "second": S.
{"hour": 11, "minute": 4}
